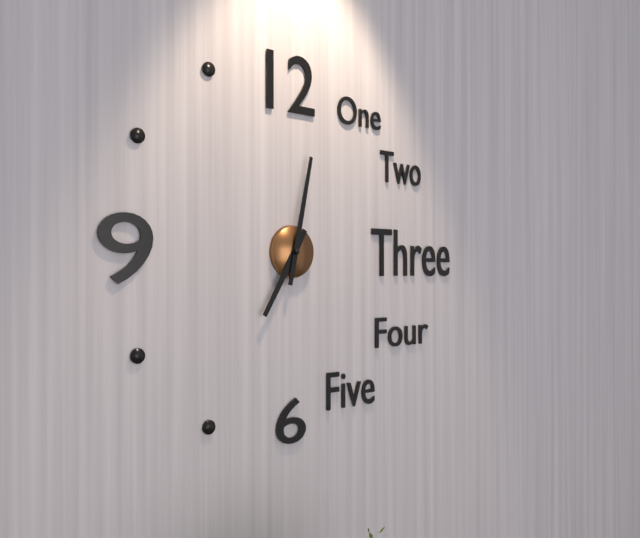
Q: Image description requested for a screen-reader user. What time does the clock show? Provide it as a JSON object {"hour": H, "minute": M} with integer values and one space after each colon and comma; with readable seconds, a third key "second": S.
{"hour": 7, "minute": 2}
